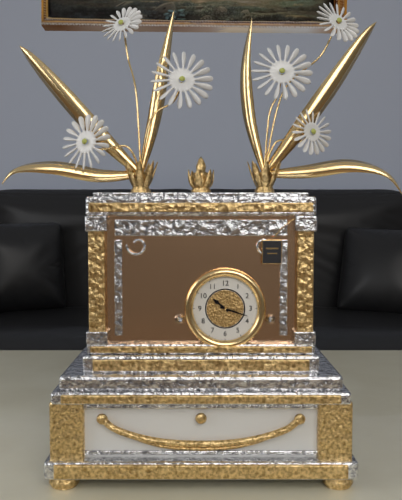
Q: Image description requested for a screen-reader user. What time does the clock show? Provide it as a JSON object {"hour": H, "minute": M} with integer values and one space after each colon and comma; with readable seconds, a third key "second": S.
{"hour": 10, "minute": 18}
